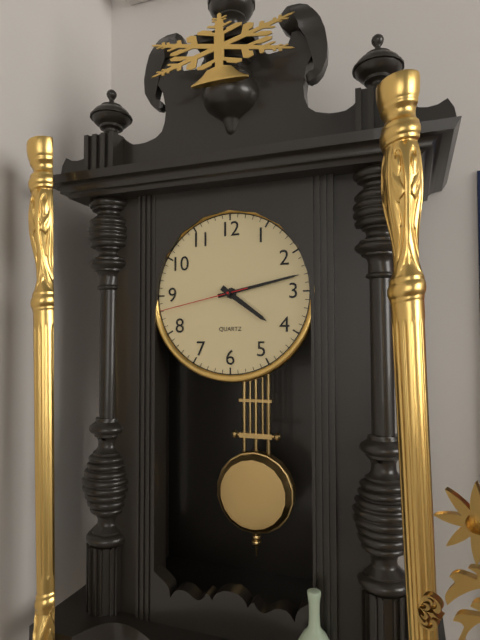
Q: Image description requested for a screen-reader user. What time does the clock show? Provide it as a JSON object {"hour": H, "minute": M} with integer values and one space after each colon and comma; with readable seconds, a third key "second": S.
{"hour": 4, "minute": 13, "second": 43}
